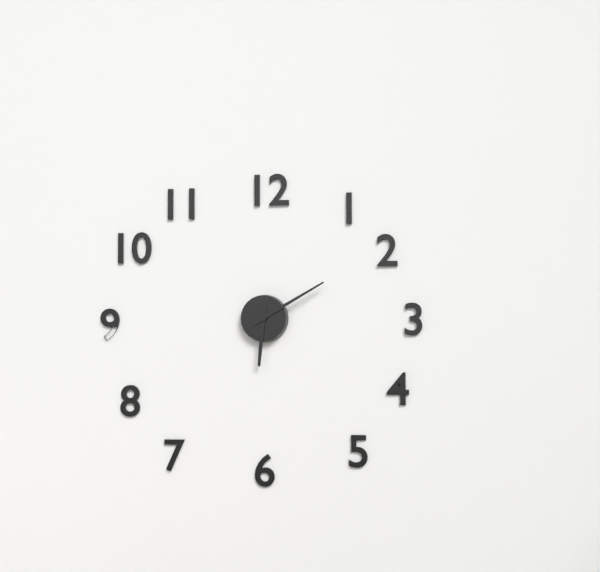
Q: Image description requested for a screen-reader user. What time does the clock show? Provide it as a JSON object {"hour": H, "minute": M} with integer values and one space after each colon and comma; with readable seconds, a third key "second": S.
{"hour": 6, "minute": 10}
